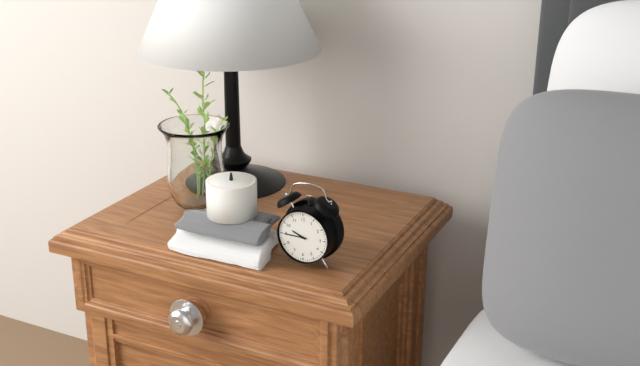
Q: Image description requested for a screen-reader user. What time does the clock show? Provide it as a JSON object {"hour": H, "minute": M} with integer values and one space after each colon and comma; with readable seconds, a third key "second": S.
{"hour": 9, "minute": 45}
